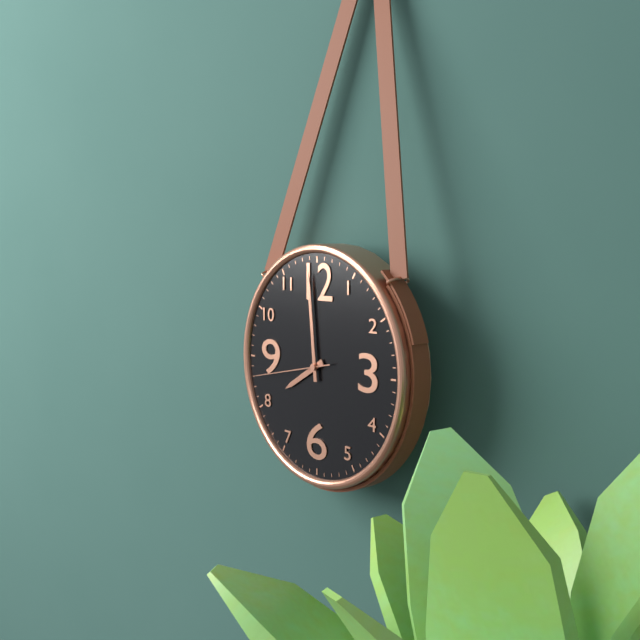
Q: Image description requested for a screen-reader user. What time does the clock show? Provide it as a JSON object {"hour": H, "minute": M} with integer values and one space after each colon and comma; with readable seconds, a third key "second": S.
{"hour": 7, "minute": 59, "second": 43}
